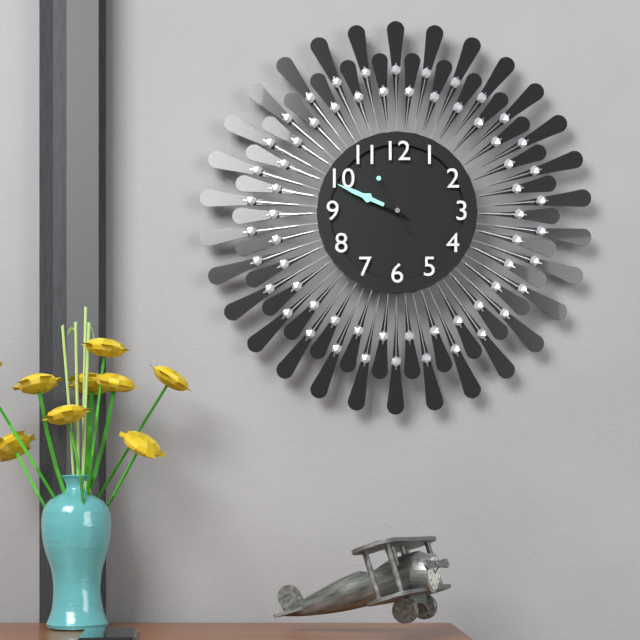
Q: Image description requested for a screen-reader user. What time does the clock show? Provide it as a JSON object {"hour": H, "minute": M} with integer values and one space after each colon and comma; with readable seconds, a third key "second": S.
{"hour": 9, "minute": 49, "second": 55}
